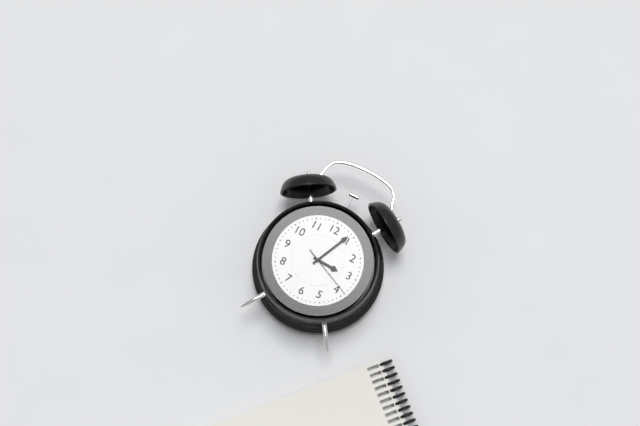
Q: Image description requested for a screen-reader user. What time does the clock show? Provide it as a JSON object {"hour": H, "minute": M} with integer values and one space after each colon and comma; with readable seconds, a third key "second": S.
{"hour": 3, "minute": 4, "second": 19}
